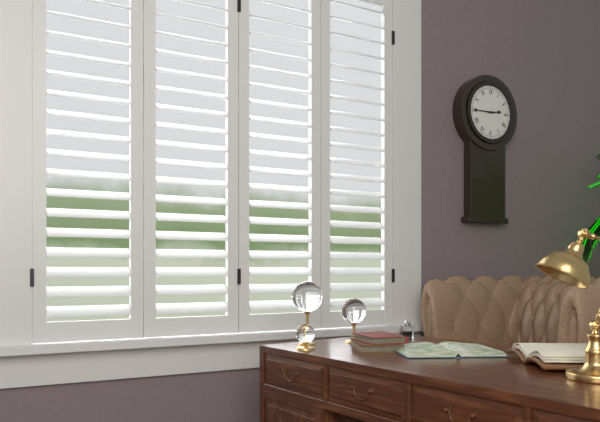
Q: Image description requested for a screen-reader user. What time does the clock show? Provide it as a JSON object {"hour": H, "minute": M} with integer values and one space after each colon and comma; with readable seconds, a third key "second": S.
{"hour": 2, "minute": 45}
